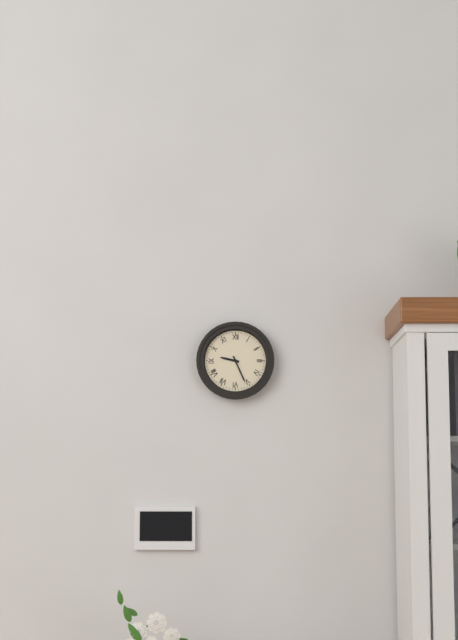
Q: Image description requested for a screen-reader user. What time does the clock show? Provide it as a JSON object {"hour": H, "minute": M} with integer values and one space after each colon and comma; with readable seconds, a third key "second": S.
{"hour": 9, "minute": 26}
